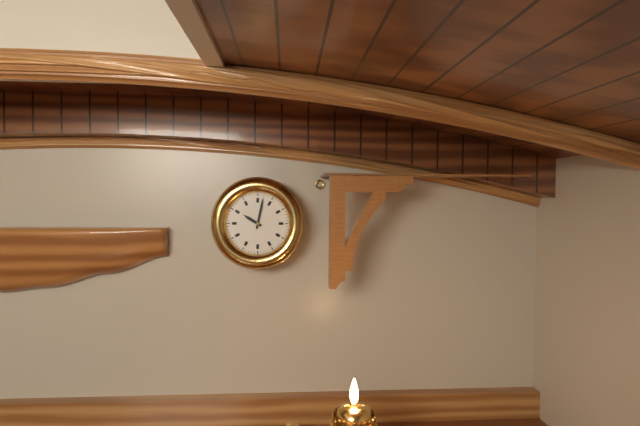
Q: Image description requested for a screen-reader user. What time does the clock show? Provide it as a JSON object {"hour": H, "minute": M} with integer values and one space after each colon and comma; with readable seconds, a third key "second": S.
{"hour": 10, "minute": 2}
